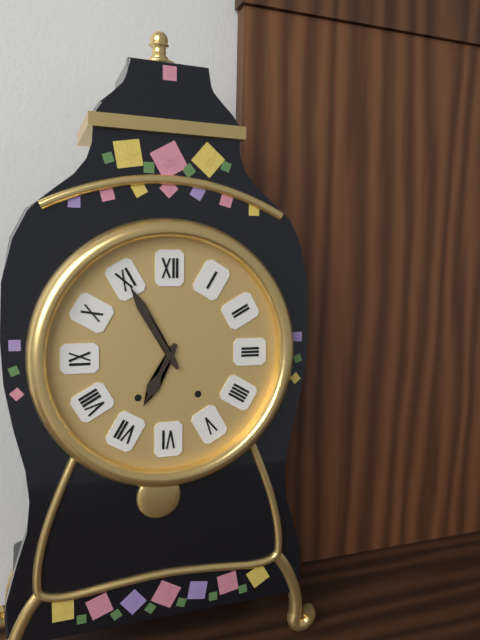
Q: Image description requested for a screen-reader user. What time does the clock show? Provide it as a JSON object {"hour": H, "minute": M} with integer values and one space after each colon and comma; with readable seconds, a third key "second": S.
{"hour": 6, "minute": 55}
